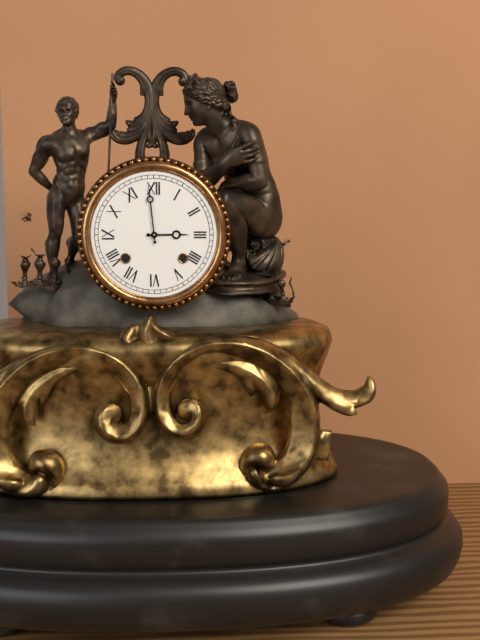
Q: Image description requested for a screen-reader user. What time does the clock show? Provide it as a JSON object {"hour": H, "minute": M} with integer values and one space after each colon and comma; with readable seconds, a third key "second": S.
{"hour": 2, "minute": 59}
